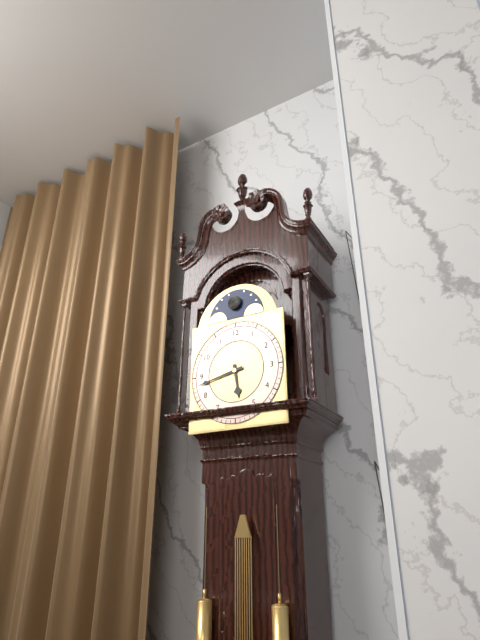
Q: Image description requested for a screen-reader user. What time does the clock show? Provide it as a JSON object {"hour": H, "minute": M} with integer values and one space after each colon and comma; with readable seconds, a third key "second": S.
{"hour": 5, "minute": 43}
